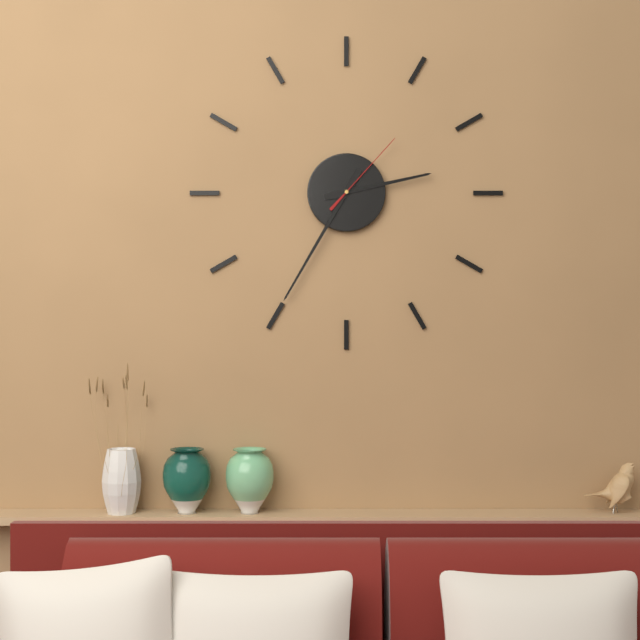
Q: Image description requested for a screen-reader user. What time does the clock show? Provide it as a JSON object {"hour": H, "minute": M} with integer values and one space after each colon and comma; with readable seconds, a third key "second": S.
{"hour": 2, "minute": 35, "second": 7}
